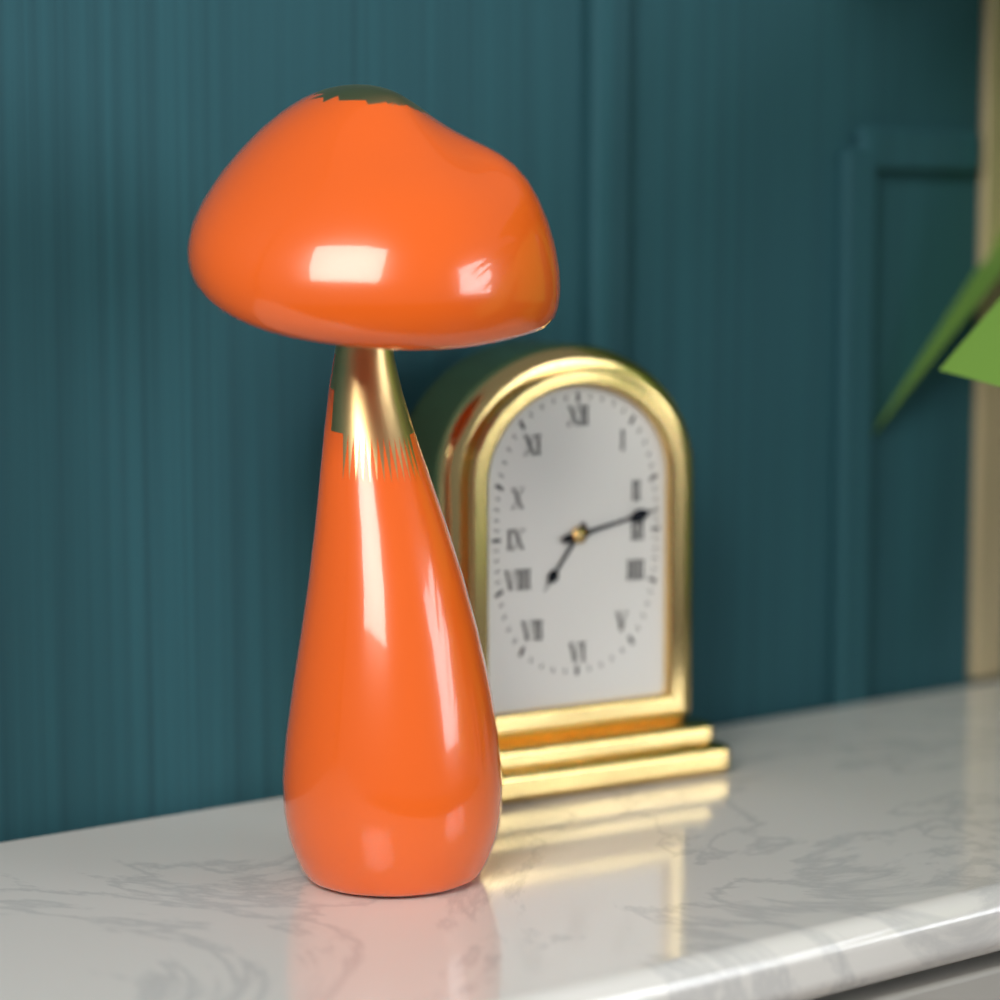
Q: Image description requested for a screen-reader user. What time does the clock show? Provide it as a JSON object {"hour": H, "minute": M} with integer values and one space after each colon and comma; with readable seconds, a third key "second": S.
{"hour": 7, "minute": 13}
